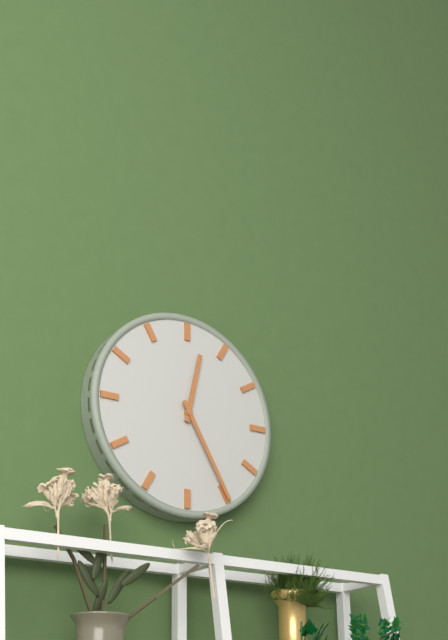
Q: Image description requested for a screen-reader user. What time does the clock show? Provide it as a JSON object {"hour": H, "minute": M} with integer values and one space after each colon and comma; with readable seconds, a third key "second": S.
{"hour": 12, "minute": 25}
